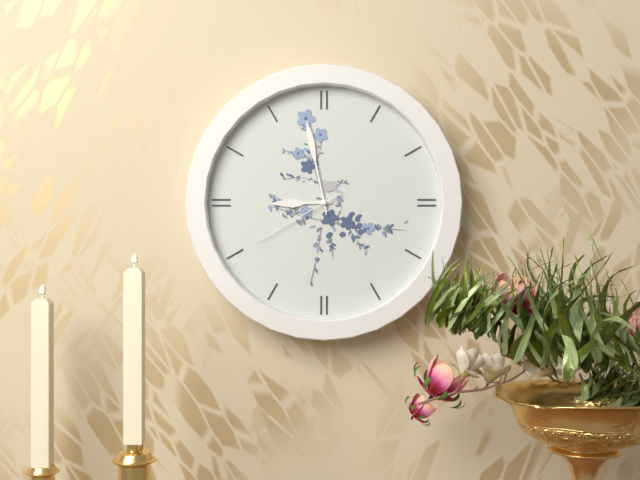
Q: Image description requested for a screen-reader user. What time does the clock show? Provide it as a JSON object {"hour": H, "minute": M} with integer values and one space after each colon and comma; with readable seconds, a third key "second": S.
{"hour": 8, "minute": 58, "second": 40}
